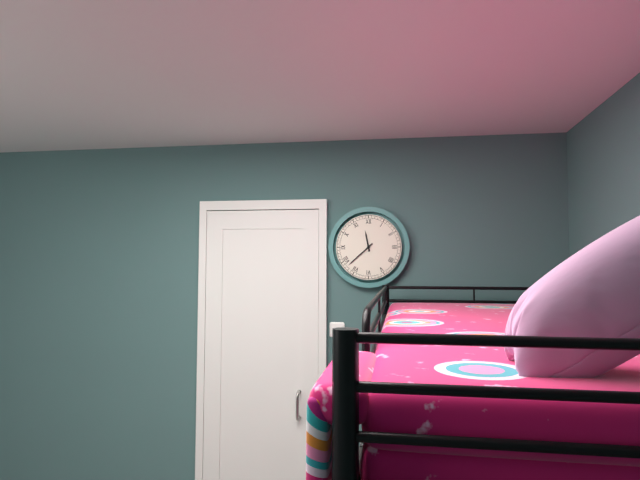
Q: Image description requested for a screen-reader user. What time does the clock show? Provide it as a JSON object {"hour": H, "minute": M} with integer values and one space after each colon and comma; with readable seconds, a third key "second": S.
{"hour": 11, "minute": 38}
